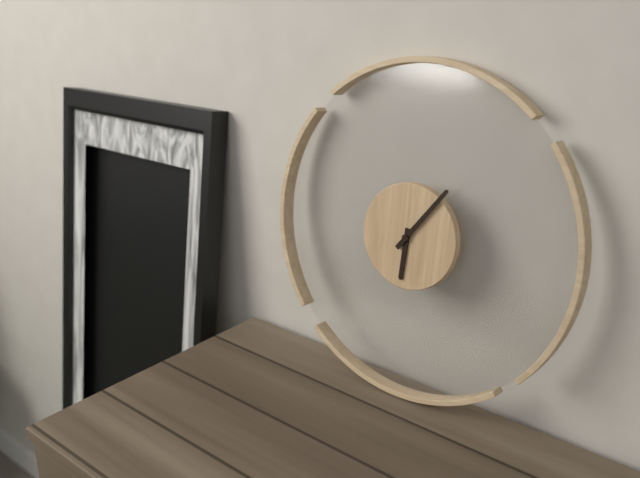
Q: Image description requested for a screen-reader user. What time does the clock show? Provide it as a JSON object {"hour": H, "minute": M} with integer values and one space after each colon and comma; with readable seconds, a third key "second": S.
{"hour": 6, "minute": 6}
